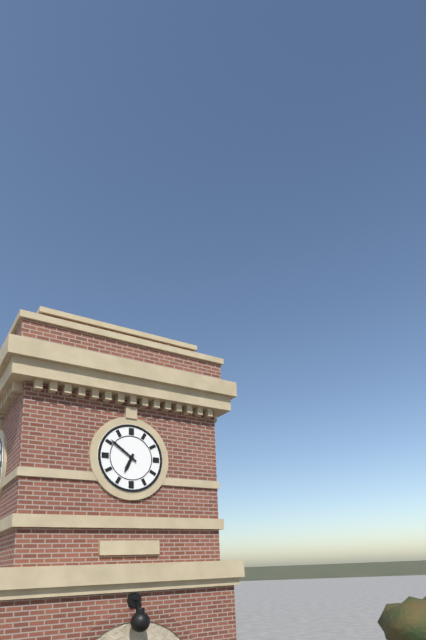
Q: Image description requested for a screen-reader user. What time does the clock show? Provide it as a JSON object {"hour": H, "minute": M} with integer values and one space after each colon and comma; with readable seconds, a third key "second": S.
{"hour": 6, "minute": 51}
